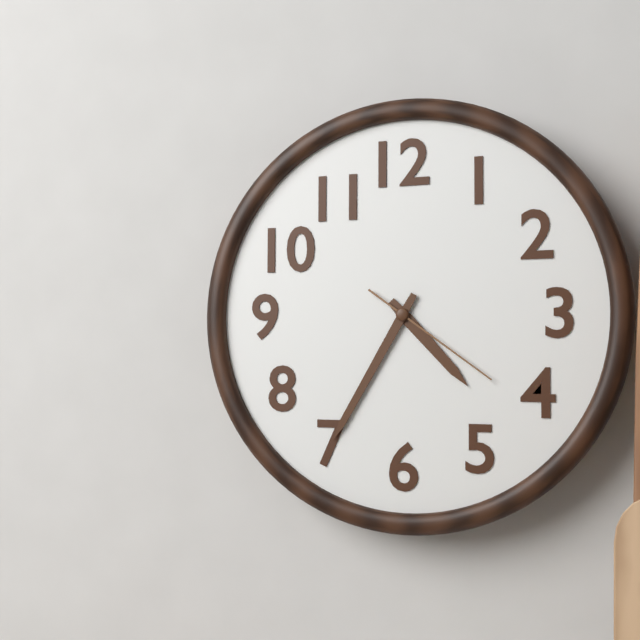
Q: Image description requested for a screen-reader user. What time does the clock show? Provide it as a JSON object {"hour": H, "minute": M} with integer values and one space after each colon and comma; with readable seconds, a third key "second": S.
{"hour": 4, "minute": 35, "second": 21}
